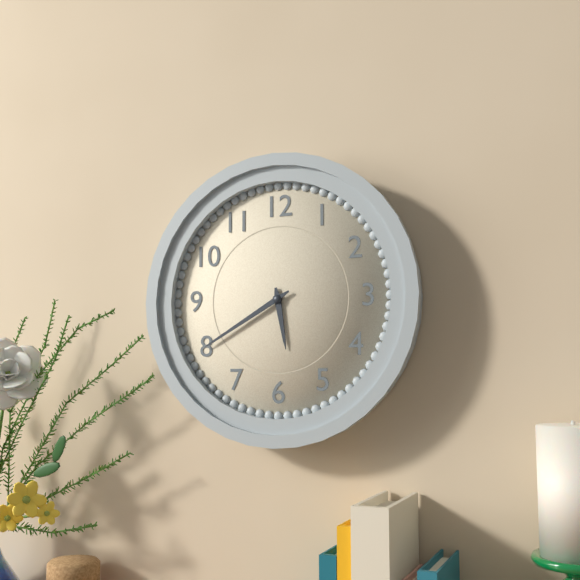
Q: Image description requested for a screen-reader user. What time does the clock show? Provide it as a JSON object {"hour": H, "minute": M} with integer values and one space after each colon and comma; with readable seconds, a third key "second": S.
{"hour": 5, "minute": 40}
